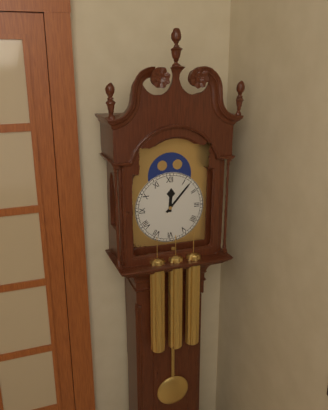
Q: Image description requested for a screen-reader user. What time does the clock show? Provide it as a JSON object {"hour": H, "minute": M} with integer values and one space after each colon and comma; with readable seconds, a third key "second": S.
{"hour": 12, "minute": 7}
